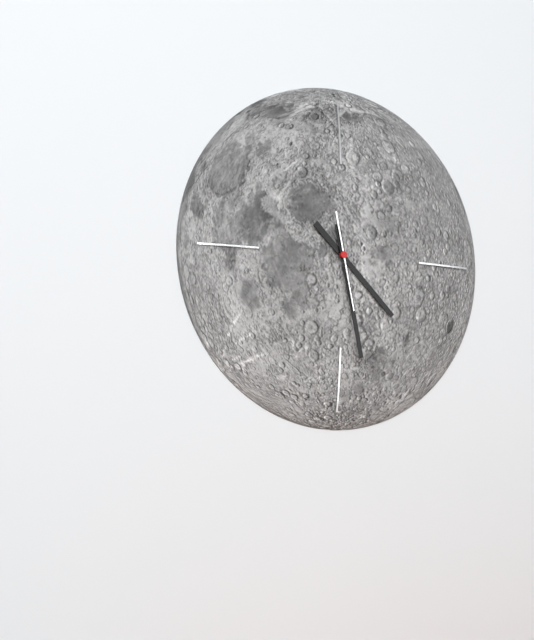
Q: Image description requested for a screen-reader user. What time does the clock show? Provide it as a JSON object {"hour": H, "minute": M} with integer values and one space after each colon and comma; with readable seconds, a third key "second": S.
{"hour": 4, "minute": 28, "second": 28}
